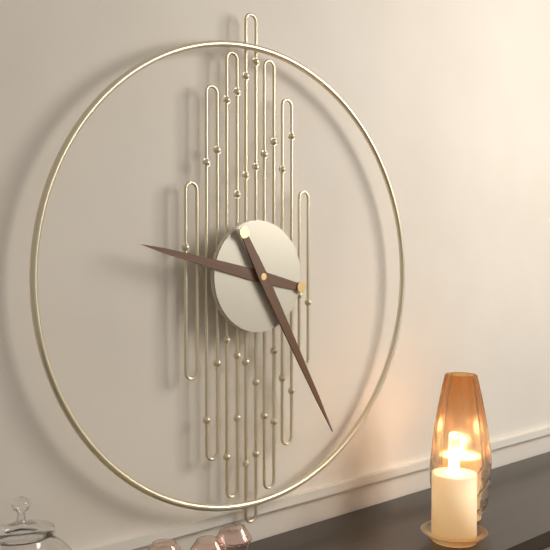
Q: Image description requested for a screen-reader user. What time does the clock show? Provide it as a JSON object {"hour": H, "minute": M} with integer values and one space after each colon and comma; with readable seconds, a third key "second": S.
{"hour": 9, "minute": 25}
